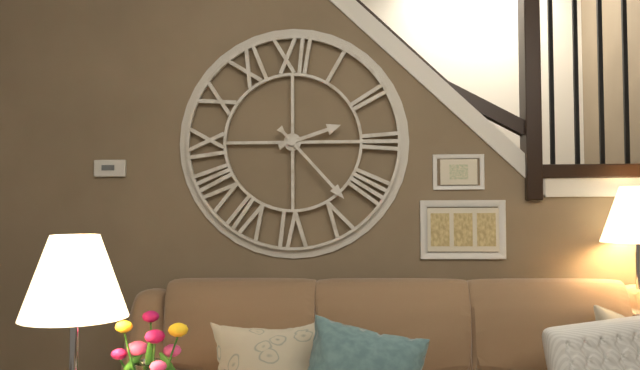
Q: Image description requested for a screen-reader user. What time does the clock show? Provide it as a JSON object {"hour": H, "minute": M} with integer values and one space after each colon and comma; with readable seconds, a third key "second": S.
{"hour": 2, "minute": 23}
